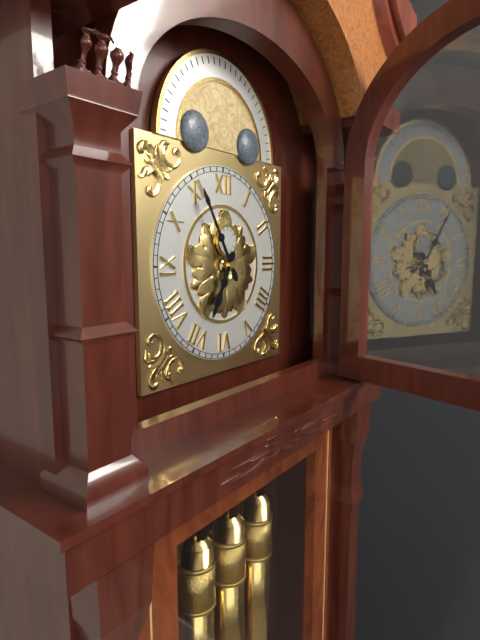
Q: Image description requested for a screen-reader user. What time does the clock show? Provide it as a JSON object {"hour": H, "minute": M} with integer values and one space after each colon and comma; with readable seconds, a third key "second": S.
{"hour": 6, "minute": 55}
